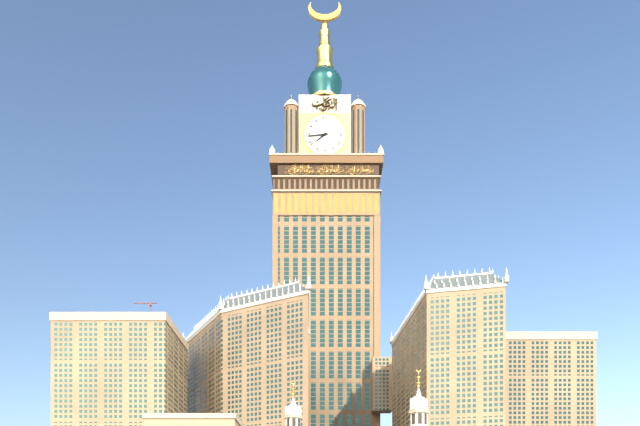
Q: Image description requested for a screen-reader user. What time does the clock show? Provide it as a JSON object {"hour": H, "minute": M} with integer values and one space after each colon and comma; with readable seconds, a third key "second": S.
{"hour": 7, "minute": 44}
